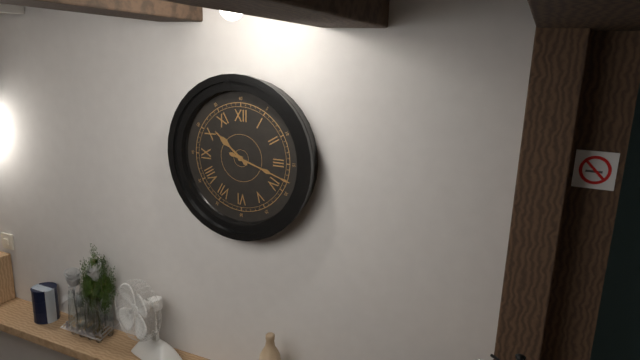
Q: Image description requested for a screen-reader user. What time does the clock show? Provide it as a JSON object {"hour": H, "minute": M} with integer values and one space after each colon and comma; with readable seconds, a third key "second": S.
{"hour": 10, "minute": 18}
